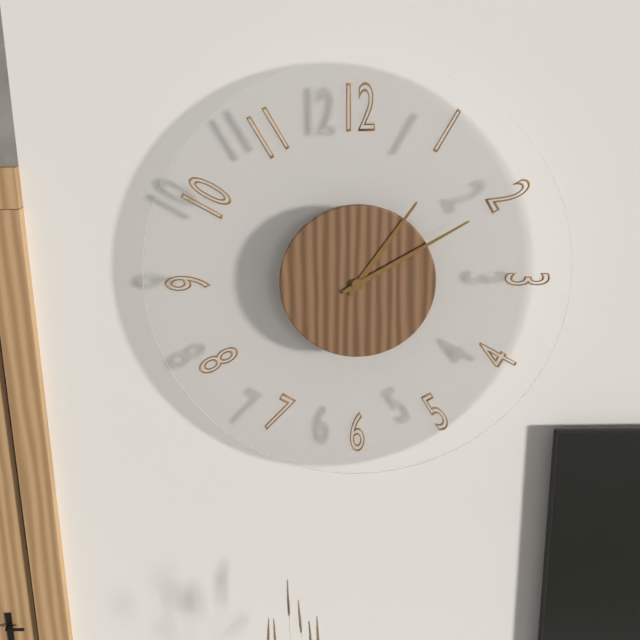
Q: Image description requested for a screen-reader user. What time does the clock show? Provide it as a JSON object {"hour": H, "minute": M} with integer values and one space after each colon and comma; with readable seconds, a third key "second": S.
{"hour": 1, "minute": 10}
